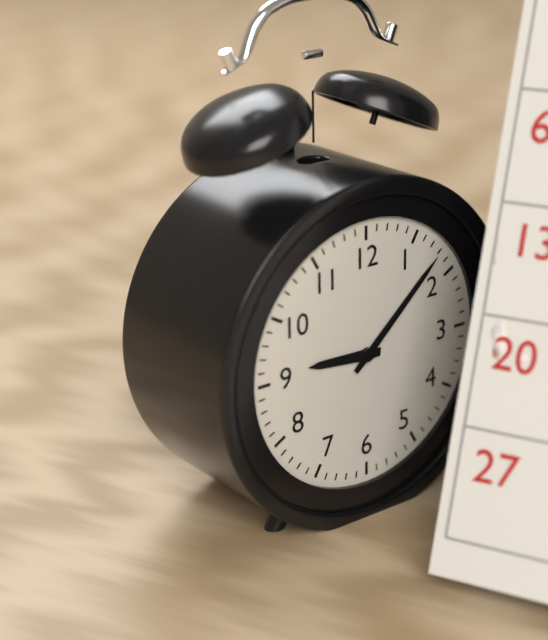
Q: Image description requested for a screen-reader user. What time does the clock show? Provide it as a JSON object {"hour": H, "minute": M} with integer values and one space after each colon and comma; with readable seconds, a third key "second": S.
{"hour": 9, "minute": 8}
